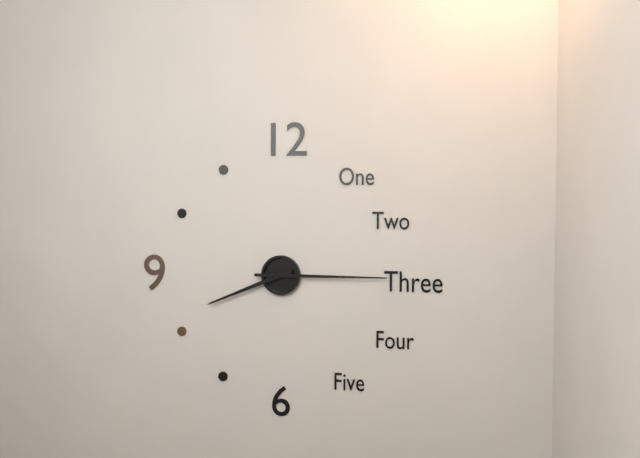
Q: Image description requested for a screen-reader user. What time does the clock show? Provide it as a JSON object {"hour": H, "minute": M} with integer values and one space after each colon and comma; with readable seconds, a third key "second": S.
{"hour": 8, "minute": 15}
